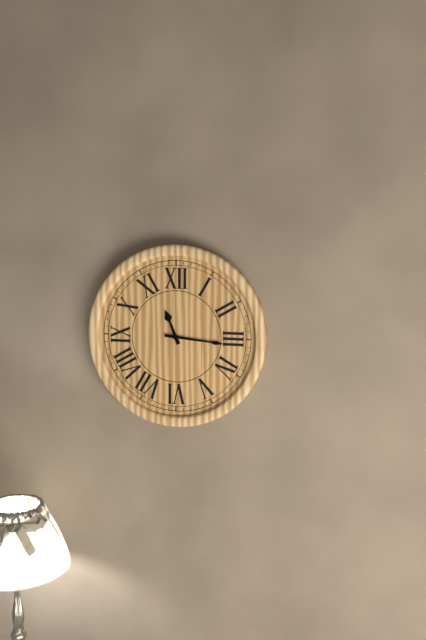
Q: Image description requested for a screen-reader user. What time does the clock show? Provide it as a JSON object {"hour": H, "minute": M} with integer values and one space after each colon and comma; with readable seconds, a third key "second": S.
{"hour": 11, "minute": 16}
